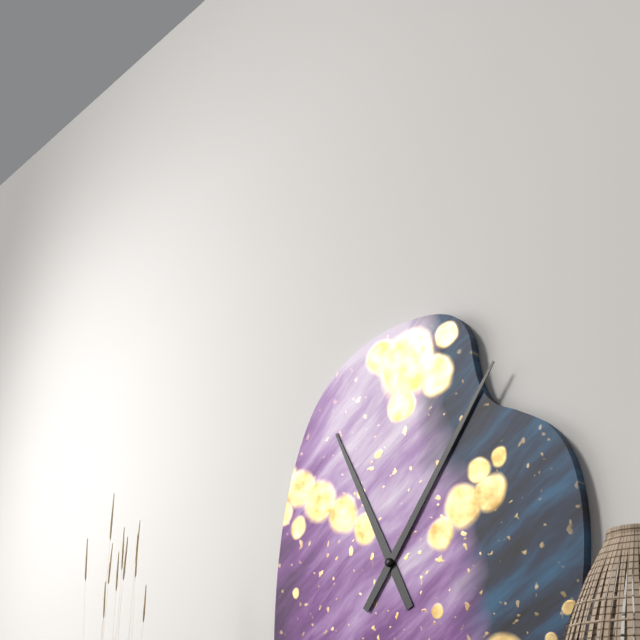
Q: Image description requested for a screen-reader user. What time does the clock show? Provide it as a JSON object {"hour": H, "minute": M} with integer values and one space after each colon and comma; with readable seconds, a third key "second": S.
{"hour": 11, "minute": 6}
